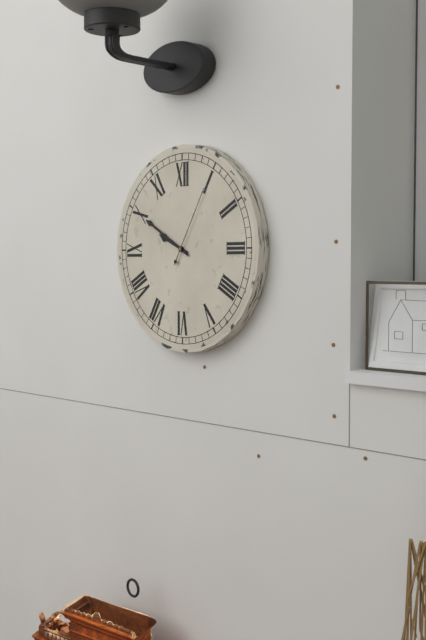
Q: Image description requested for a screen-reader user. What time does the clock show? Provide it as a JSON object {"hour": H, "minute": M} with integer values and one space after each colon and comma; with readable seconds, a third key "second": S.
{"hour": 9, "minute": 50, "second": 5}
